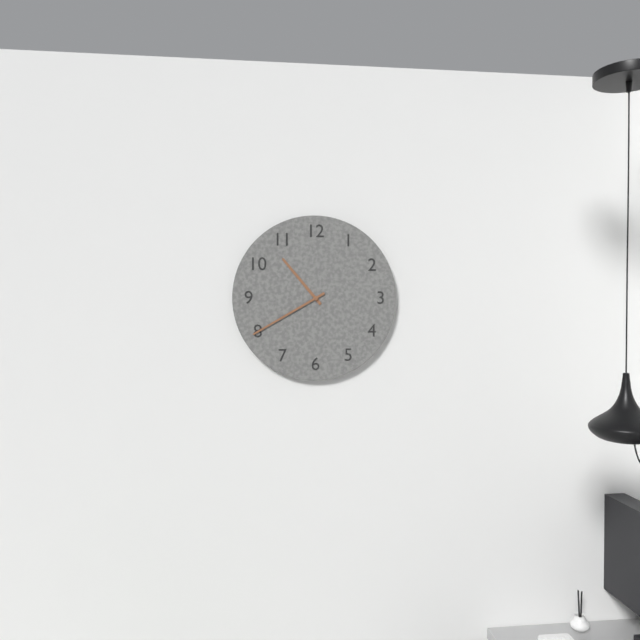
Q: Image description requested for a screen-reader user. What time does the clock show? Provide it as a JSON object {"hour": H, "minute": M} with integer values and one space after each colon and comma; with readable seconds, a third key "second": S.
{"hour": 10, "minute": 40}
